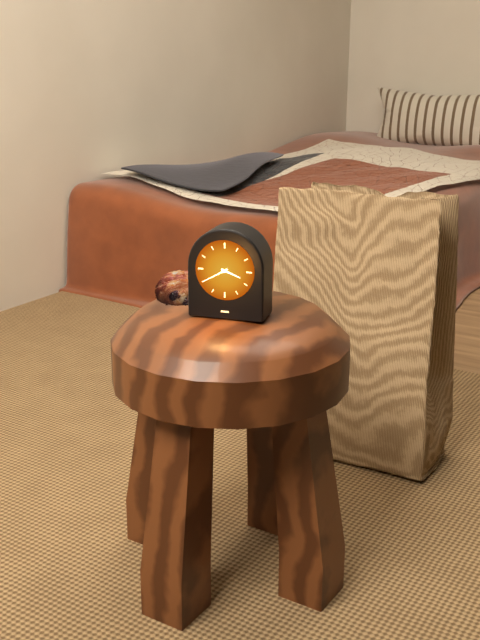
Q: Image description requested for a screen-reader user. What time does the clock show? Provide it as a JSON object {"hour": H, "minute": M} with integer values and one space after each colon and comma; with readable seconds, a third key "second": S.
{"hour": 3, "minute": 40}
